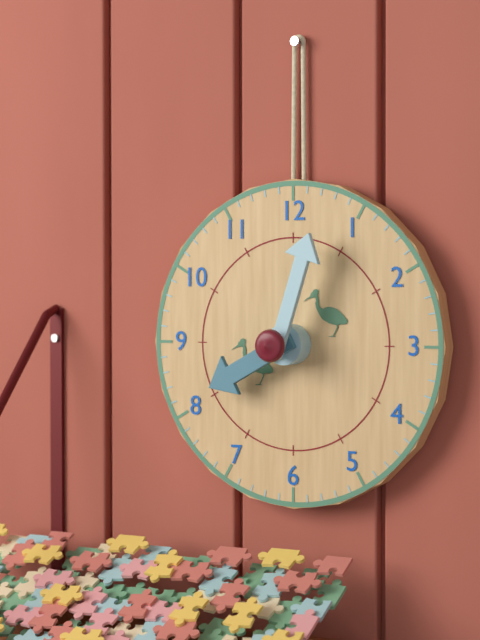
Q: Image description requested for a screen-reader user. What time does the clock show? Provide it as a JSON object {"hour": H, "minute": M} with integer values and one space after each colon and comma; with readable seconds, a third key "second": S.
{"hour": 8, "minute": 3}
